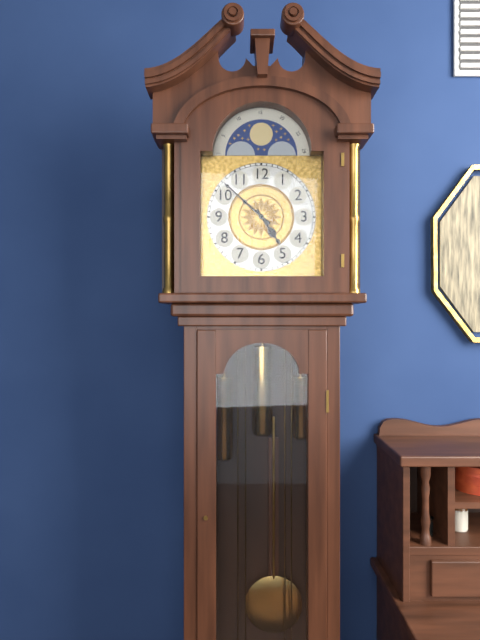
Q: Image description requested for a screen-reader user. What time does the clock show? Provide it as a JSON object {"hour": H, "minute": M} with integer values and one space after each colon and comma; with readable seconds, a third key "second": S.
{"hour": 4, "minute": 52}
